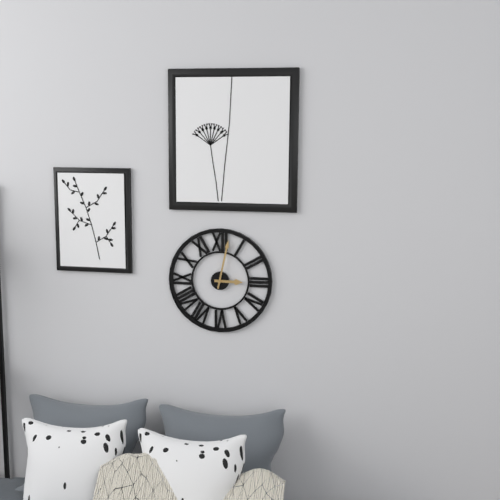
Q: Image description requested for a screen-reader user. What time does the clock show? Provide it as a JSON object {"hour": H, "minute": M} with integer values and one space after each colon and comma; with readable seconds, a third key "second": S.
{"hour": 3, "minute": 2}
